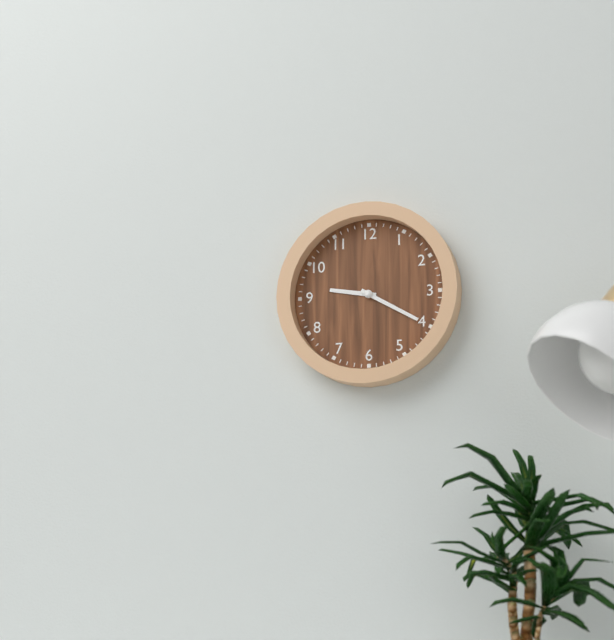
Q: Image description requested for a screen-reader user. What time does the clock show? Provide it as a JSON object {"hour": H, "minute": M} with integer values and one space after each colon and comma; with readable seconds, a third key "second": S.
{"hour": 9, "minute": 20}
